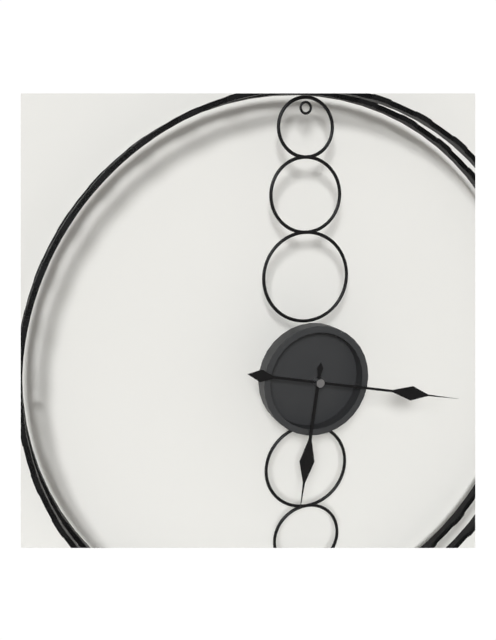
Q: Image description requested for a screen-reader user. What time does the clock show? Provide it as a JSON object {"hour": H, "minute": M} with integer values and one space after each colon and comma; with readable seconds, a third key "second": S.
{"hour": 6, "minute": 17}
